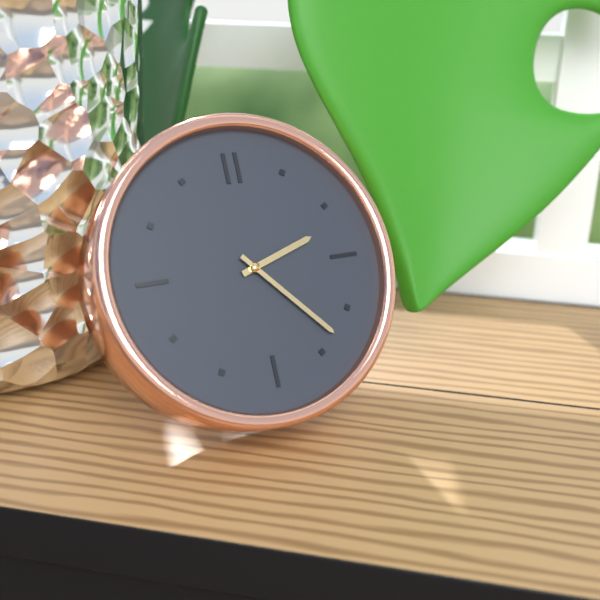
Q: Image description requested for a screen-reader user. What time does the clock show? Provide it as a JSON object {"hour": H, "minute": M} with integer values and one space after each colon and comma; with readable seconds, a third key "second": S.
{"hour": 2, "minute": 23}
